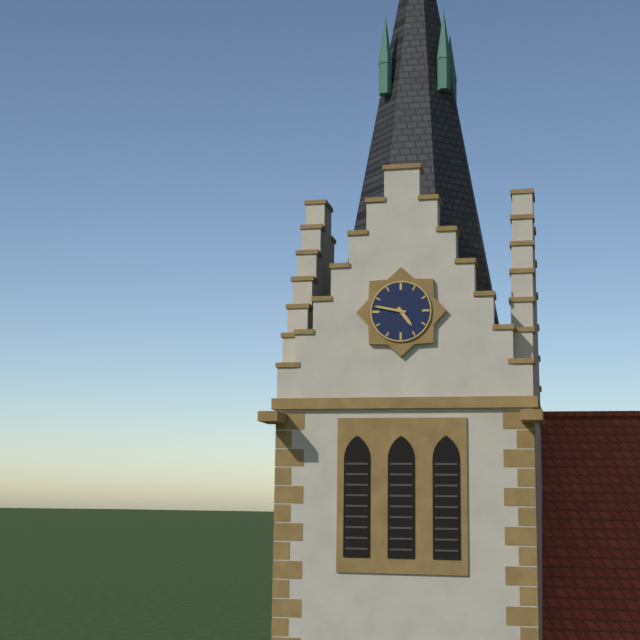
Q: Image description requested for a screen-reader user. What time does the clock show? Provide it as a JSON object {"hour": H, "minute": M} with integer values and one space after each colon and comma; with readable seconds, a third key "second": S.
{"hour": 4, "minute": 47}
